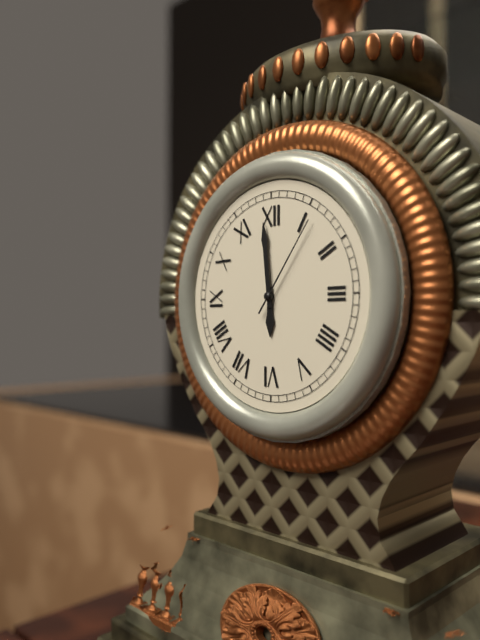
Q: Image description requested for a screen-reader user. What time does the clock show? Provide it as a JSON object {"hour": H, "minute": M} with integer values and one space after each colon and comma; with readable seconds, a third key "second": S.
{"hour": 5, "minute": 59, "second": 6}
